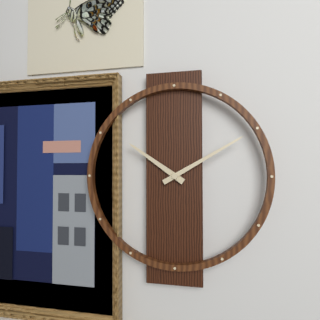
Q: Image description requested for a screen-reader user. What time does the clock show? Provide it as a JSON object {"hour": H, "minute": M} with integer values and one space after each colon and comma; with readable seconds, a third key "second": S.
{"hour": 10, "minute": 10}
